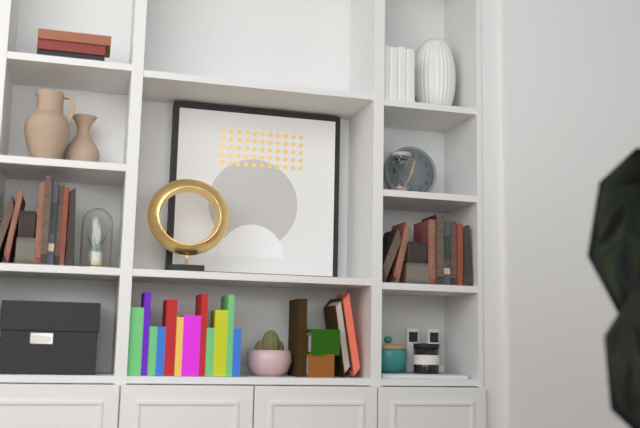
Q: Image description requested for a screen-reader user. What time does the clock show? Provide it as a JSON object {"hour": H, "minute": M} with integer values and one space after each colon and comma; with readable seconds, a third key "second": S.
{"hour": 12, "minute": 34}
